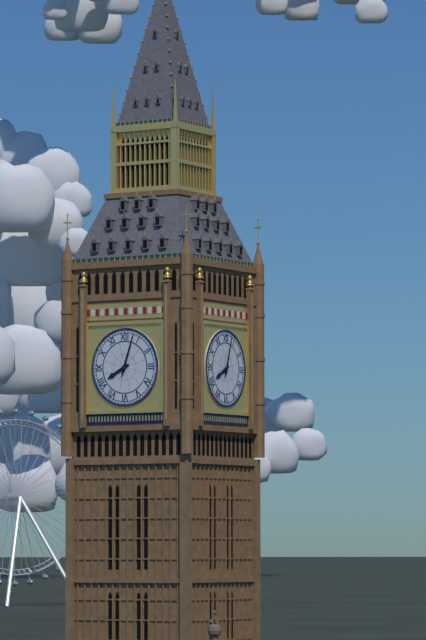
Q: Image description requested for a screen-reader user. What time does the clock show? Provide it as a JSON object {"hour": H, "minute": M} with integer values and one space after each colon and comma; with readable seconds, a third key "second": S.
{"hour": 8, "minute": 3}
